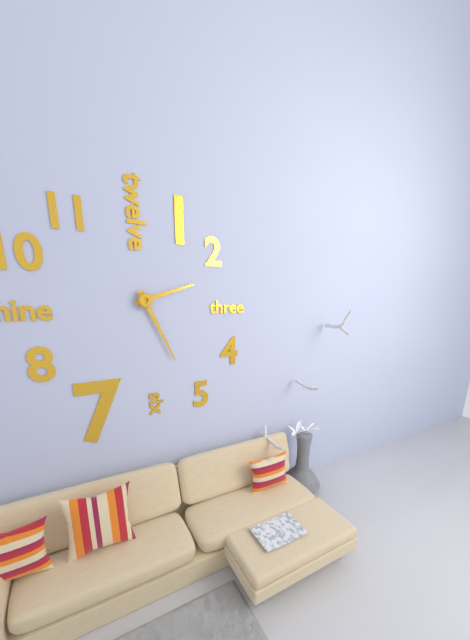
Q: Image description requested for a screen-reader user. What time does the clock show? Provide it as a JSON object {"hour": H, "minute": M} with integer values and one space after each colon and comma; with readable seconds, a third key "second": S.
{"hour": 2, "minute": 26}
